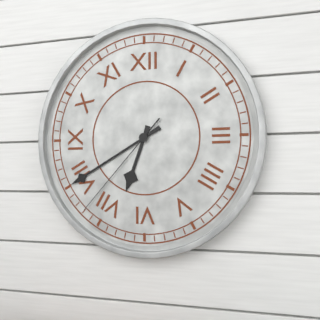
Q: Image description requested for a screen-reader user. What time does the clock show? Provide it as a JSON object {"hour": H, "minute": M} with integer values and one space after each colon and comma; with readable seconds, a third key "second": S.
{"hour": 6, "minute": 40, "second": 37}
